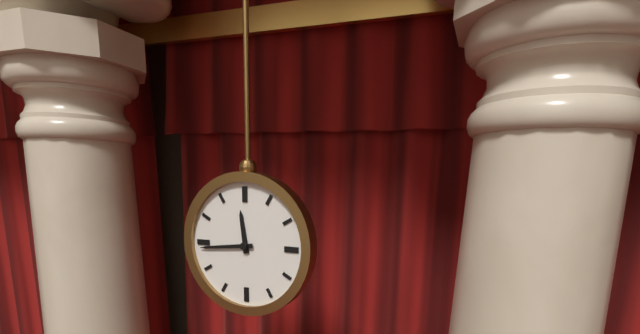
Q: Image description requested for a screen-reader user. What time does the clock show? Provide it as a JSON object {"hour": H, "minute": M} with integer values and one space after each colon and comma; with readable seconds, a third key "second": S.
{"hour": 11, "minute": 44}
